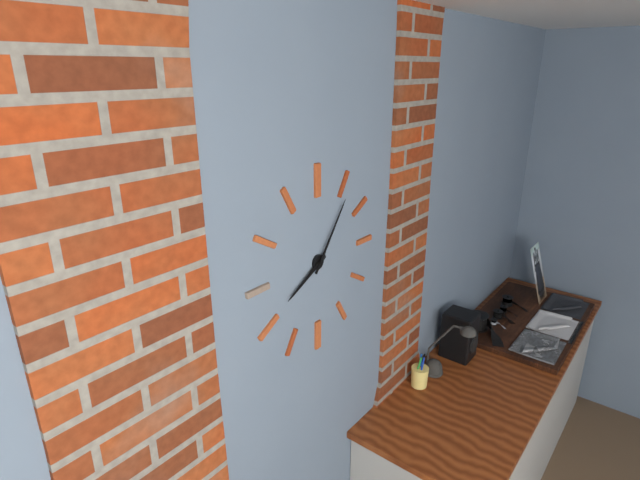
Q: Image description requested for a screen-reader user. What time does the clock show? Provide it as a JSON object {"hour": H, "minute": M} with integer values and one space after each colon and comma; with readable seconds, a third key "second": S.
{"hour": 8, "minute": 6}
